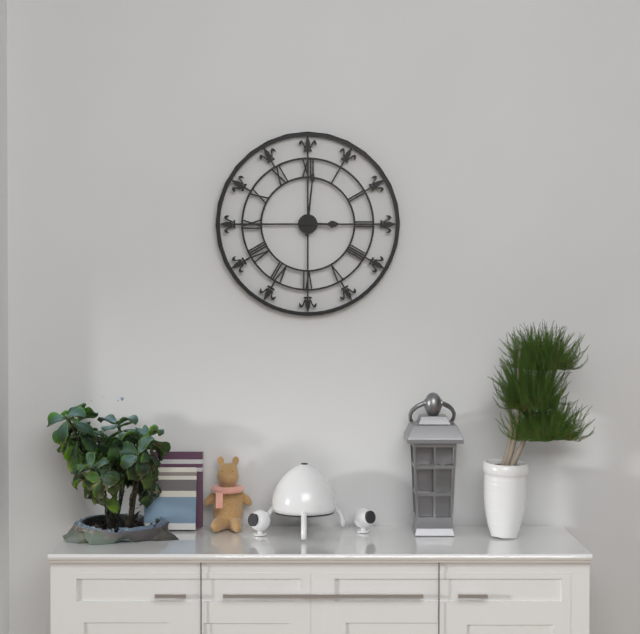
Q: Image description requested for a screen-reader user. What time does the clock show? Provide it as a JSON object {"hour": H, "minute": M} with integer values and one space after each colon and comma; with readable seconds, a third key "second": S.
{"hour": 3, "minute": 1}
